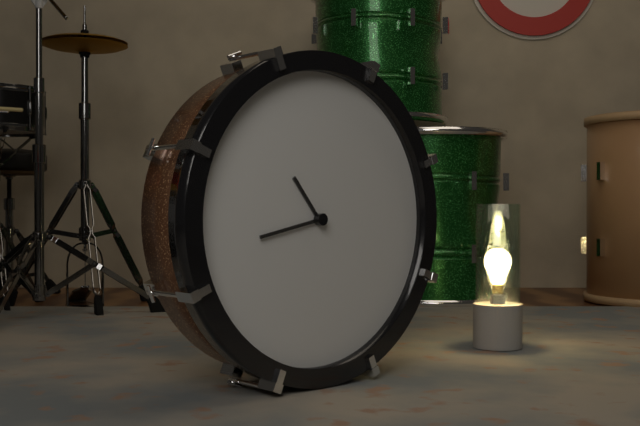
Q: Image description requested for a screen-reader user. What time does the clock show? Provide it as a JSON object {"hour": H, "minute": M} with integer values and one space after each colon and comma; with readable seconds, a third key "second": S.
{"hour": 10, "minute": 43}
